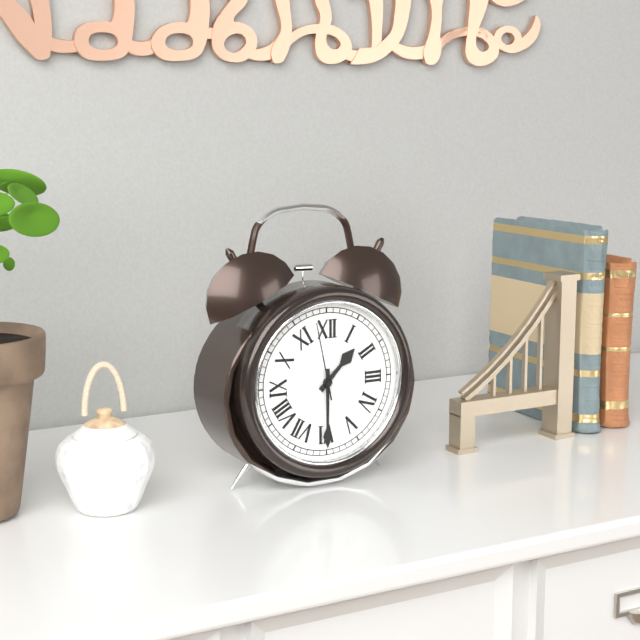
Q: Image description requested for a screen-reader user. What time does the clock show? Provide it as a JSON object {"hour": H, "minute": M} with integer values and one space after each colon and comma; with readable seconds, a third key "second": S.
{"hour": 1, "minute": 30, "second": 58}
